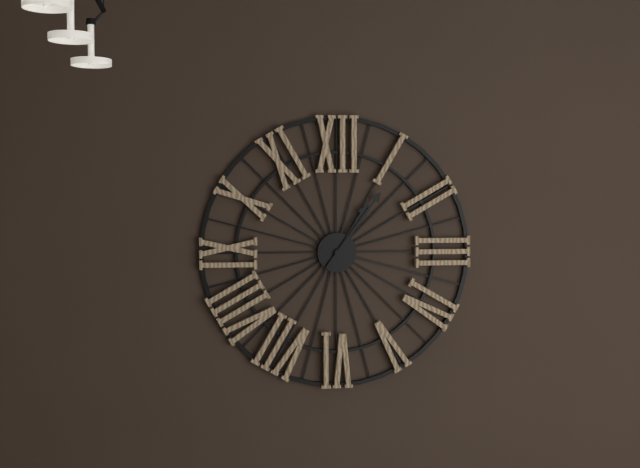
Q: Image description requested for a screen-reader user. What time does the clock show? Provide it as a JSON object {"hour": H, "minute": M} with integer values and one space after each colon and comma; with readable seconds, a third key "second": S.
{"hour": 1, "minute": 6}
